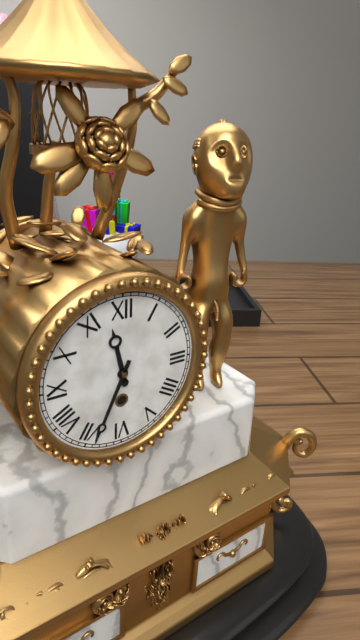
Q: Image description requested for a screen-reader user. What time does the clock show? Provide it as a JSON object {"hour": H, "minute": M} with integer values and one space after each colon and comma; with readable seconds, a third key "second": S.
{"hour": 11, "minute": 34}
